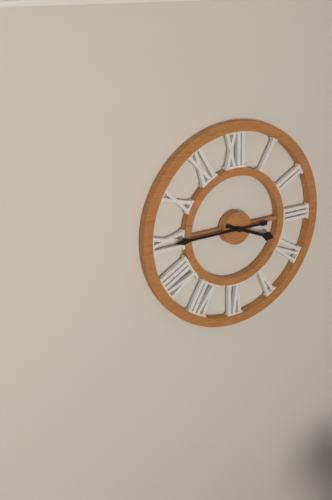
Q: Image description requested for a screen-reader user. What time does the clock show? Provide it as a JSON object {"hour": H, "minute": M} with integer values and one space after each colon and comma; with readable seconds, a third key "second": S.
{"hour": 3, "minute": 45}
